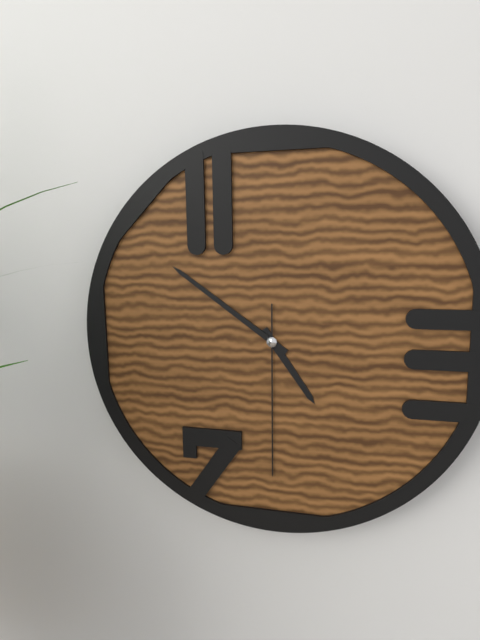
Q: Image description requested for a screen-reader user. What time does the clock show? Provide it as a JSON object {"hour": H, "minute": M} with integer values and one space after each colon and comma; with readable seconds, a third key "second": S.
{"hour": 4, "minute": 51, "second": 30}
